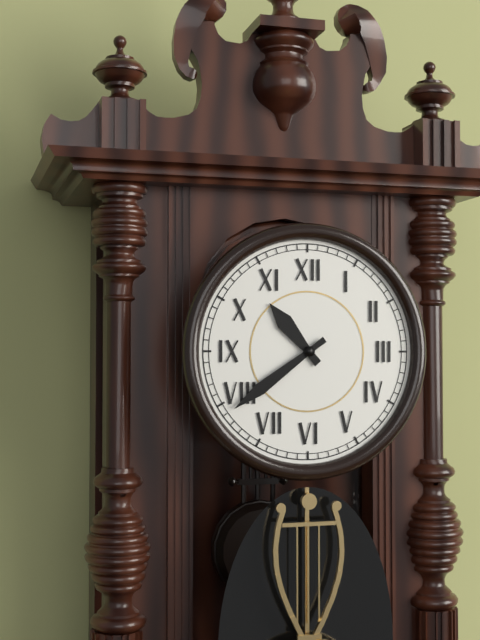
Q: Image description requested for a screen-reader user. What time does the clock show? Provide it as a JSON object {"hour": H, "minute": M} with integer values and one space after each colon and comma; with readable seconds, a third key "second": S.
{"hour": 10, "minute": 39}
